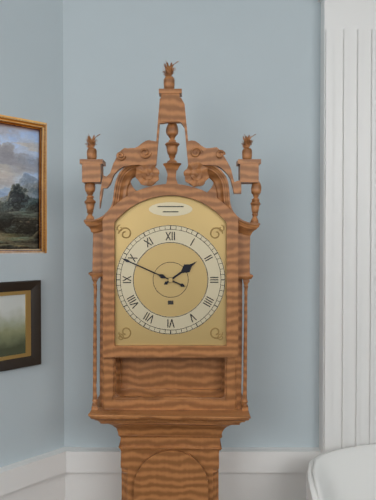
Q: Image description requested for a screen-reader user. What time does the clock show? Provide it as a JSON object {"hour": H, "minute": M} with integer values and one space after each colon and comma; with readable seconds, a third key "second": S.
{"hour": 1, "minute": 49}
